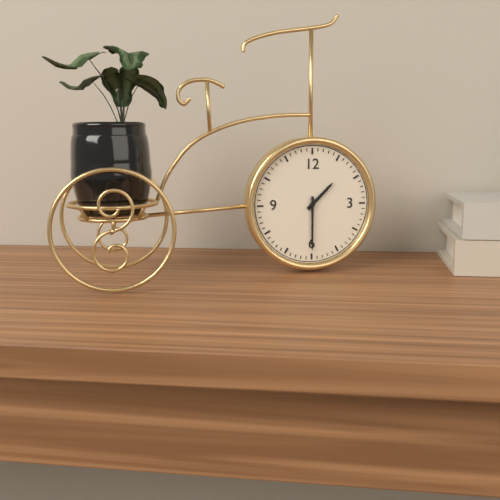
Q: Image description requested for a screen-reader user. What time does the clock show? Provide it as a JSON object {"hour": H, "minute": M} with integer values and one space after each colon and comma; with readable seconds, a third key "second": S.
{"hour": 1, "minute": 30}
